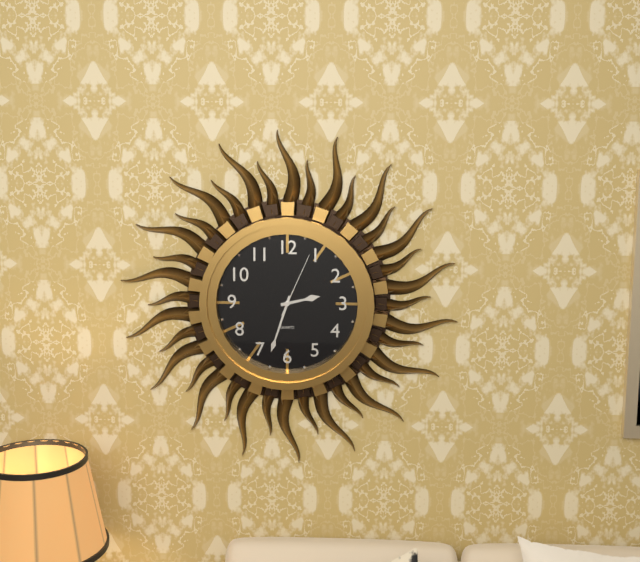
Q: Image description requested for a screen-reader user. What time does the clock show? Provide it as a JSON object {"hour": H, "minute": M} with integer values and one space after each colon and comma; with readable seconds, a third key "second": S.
{"hour": 2, "minute": 33, "second": 4}
